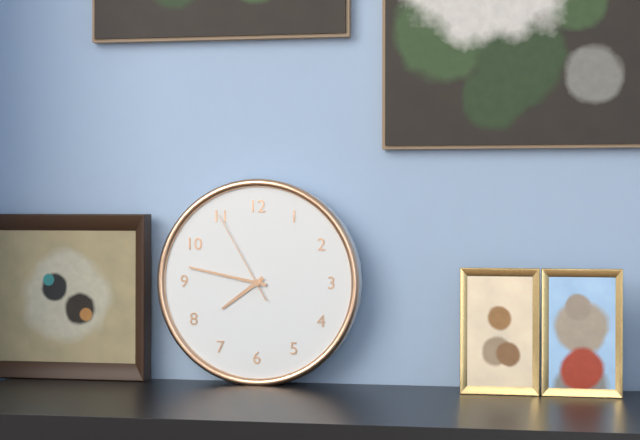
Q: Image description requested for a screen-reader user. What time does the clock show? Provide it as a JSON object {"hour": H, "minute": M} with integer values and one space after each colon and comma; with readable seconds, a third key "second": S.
{"hour": 7, "minute": 47, "second": 55}
